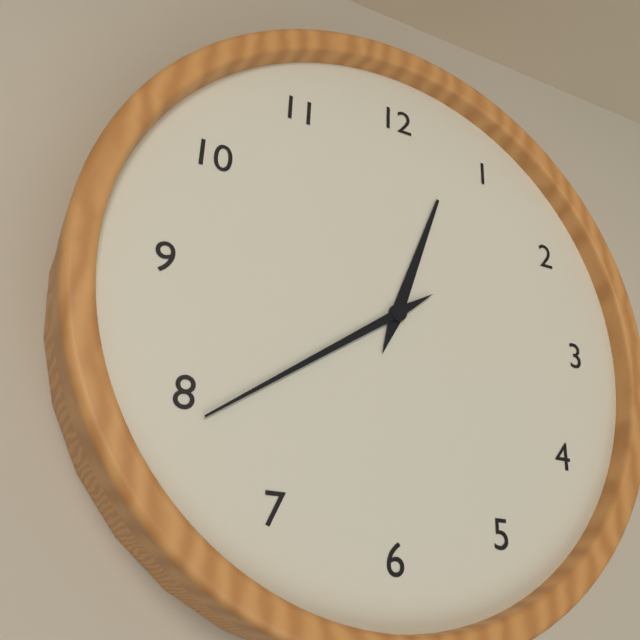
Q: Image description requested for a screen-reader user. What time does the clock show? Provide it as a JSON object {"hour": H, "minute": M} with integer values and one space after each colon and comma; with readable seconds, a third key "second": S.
{"hour": 12, "minute": 39}
